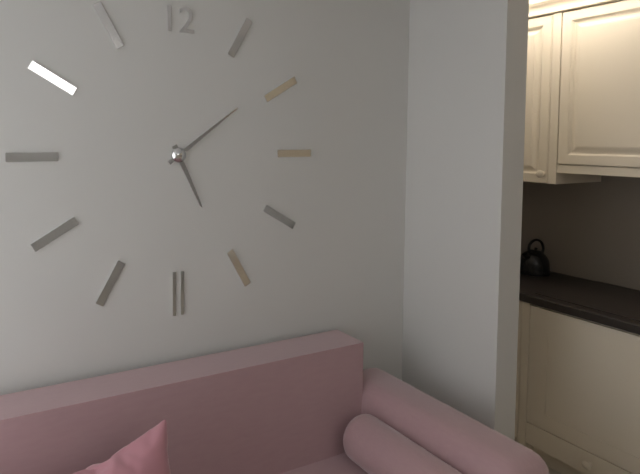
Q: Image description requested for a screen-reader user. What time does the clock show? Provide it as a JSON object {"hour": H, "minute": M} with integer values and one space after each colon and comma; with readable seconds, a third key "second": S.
{"hour": 5, "minute": 9}
